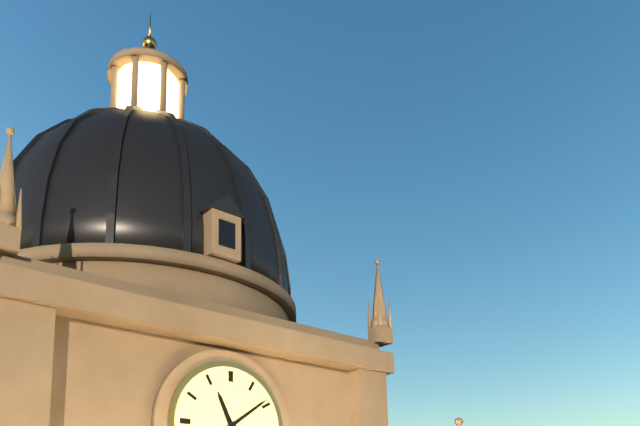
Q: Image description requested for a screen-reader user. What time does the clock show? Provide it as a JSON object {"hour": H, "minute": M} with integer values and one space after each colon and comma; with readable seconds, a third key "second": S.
{"hour": 11, "minute": 9}
